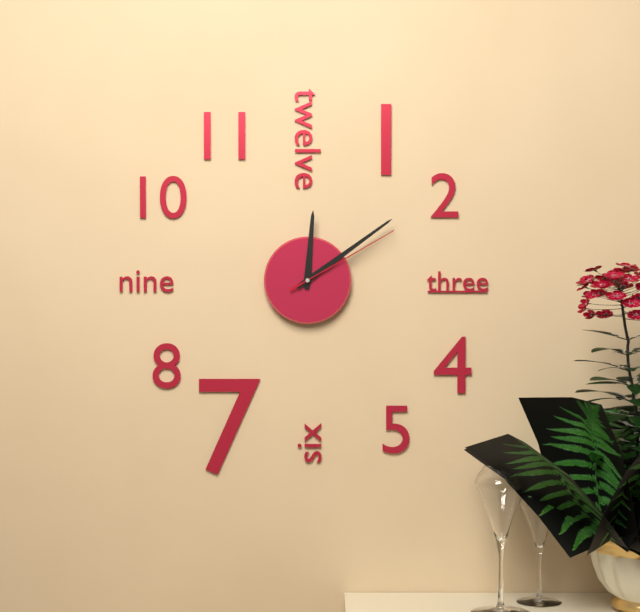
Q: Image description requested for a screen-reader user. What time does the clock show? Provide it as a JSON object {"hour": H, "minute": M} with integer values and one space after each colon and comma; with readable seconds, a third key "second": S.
{"hour": 12, "minute": 9, "second": 10}
